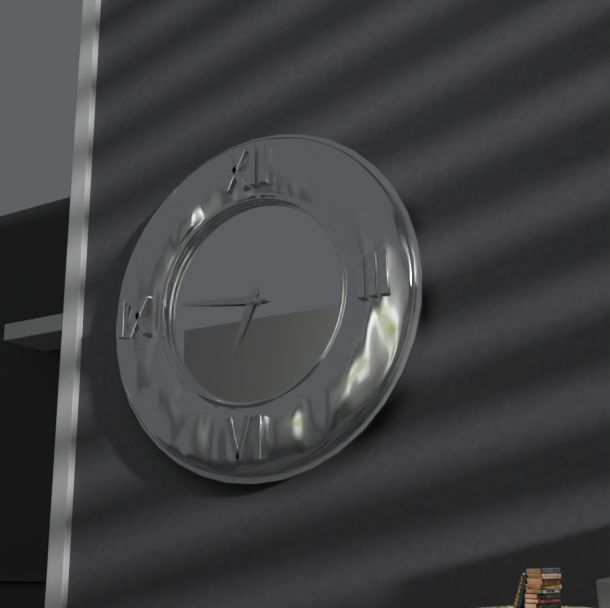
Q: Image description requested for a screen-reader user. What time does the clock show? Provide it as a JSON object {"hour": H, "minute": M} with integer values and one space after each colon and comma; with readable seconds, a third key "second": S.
{"hour": 6, "minute": 46}
